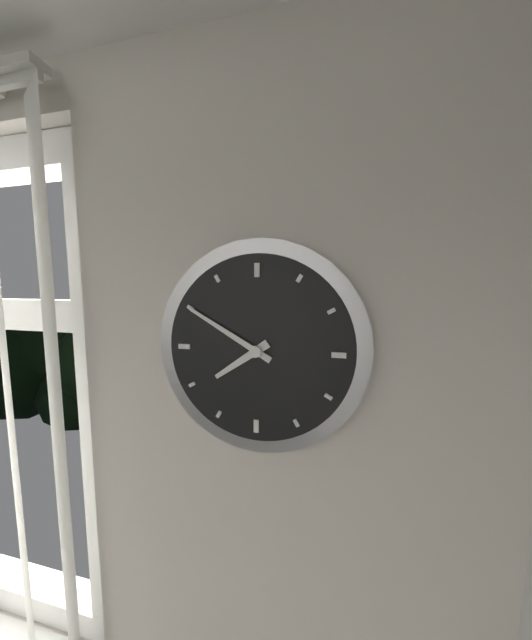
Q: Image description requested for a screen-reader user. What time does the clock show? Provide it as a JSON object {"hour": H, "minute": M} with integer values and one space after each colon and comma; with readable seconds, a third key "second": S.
{"hour": 7, "minute": 50}
